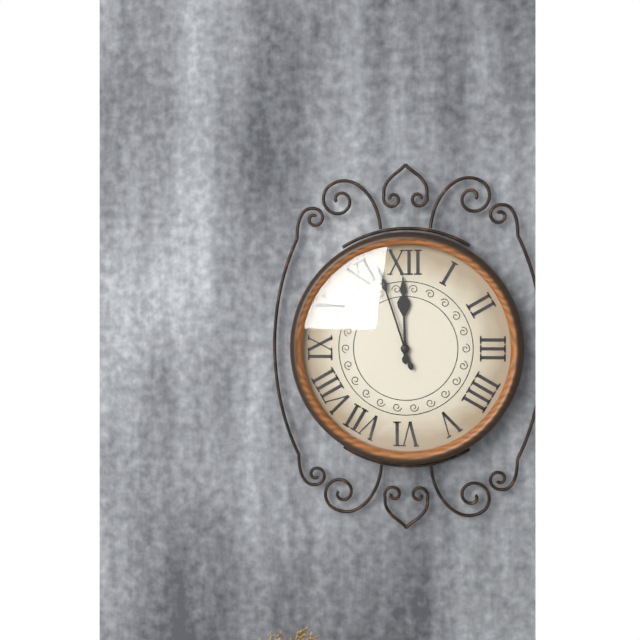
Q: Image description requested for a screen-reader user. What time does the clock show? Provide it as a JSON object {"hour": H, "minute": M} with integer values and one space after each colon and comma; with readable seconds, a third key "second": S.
{"hour": 11, "minute": 57}
